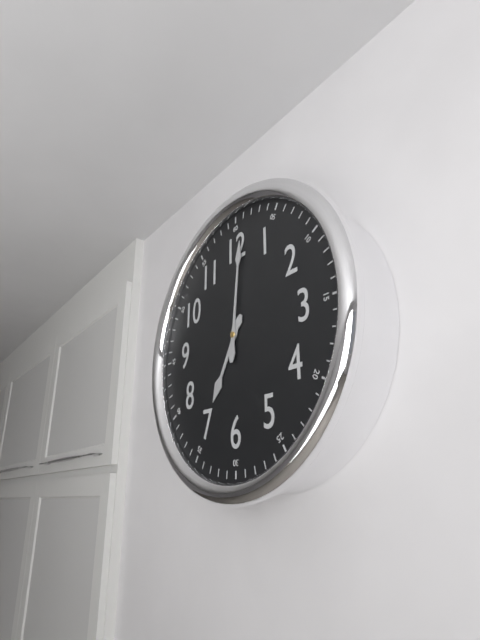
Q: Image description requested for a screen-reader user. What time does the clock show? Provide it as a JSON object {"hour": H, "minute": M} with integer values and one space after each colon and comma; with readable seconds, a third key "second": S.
{"hour": 7, "minute": 1}
